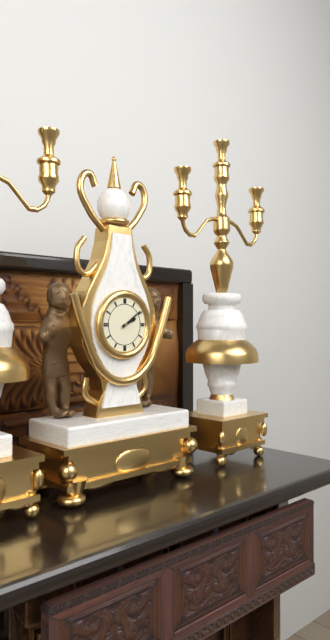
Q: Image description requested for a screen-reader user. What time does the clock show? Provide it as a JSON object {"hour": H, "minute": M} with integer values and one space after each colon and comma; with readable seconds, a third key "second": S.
{"hour": 2, "minute": 9}
